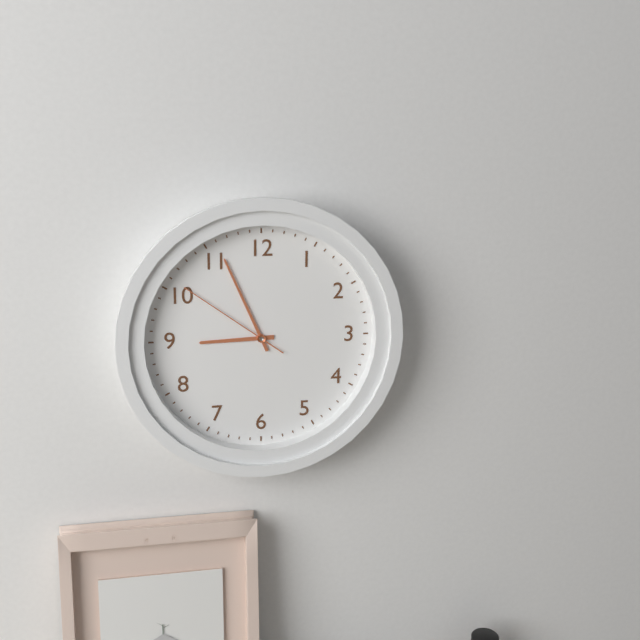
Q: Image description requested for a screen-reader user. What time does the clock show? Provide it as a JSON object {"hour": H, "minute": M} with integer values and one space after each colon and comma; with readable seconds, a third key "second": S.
{"hour": 8, "minute": 56, "second": 51}
